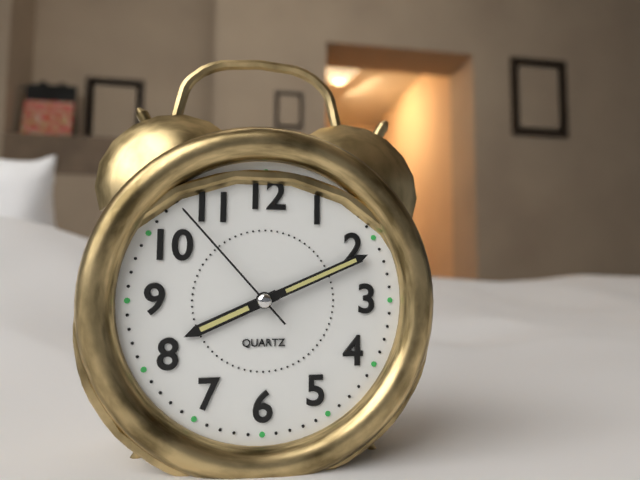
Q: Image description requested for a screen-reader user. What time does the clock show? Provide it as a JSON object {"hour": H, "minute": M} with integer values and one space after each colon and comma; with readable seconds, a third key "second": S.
{"hour": 8, "minute": 11, "second": 53}
